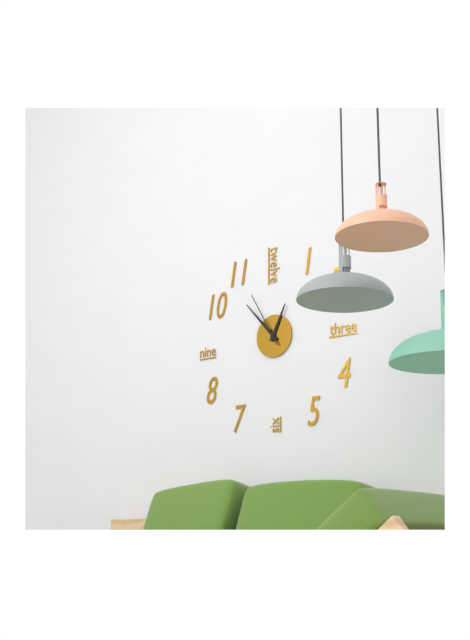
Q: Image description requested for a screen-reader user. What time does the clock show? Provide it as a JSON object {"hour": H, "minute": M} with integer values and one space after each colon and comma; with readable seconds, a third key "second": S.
{"hour": 12, "minute": 53, "second": 55}
